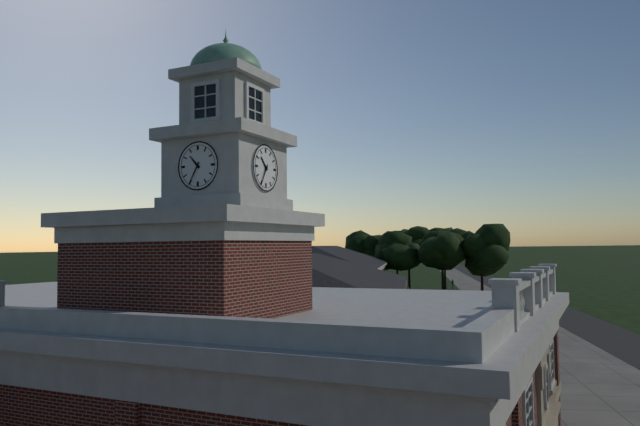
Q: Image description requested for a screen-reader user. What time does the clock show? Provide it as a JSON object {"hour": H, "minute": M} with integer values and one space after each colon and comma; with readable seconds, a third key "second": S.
{"hour": 10, "minute": 35}
